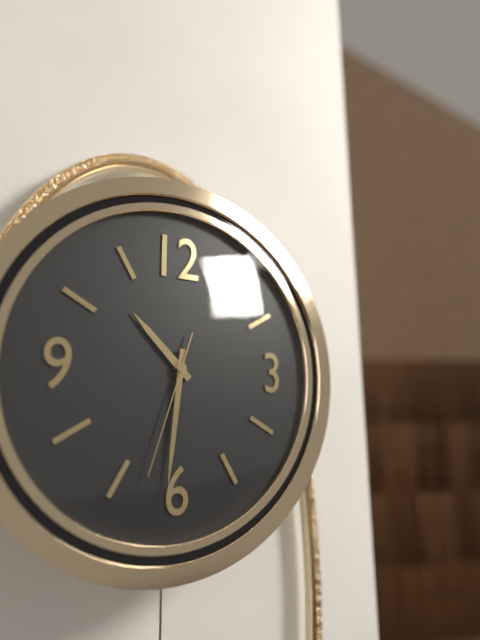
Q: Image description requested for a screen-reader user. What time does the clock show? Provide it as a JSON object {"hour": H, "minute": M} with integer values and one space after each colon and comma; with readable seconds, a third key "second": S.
{"hour": 10, "minute": 31, "second": 33}
